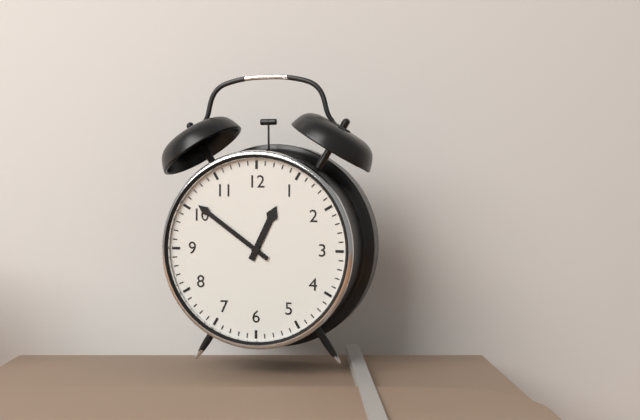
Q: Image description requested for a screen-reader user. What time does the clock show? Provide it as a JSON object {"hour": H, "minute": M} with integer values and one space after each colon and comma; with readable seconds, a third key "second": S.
{"hour": 12, "minute": 51}
